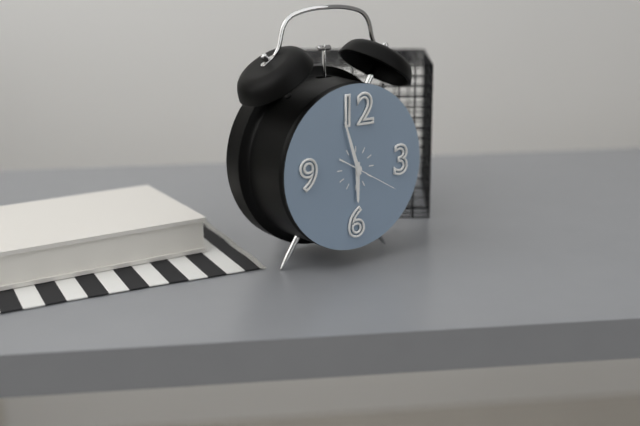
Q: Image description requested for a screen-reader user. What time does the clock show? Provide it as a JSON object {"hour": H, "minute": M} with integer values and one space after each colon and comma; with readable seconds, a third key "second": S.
{"hour": 5, "minute": 57, "second": 20}
